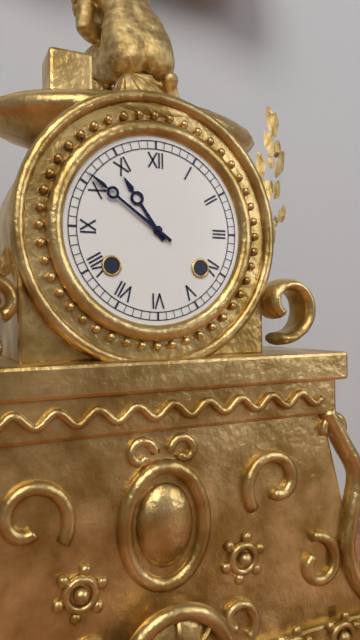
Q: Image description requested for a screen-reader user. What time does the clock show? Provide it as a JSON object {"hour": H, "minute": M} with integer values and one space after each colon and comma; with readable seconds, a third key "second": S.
{"hour": 10, "minute": 51}
